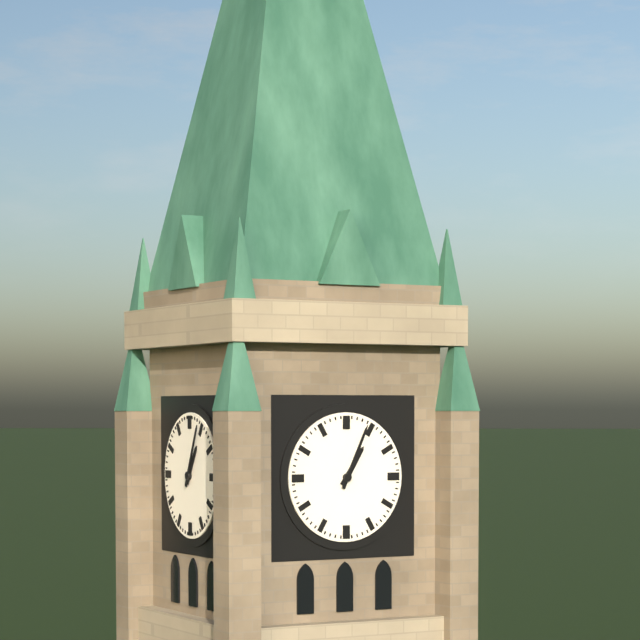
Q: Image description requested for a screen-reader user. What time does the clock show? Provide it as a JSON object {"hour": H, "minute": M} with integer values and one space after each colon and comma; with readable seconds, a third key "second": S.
{"hour": 1, "minute": 4}
